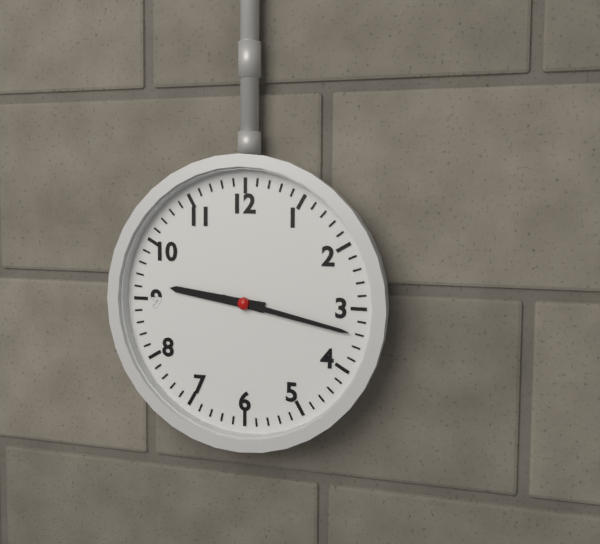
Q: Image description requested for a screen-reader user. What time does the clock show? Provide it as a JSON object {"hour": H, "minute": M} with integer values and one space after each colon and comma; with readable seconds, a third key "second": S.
{"hour": 9, "minute": 17}
